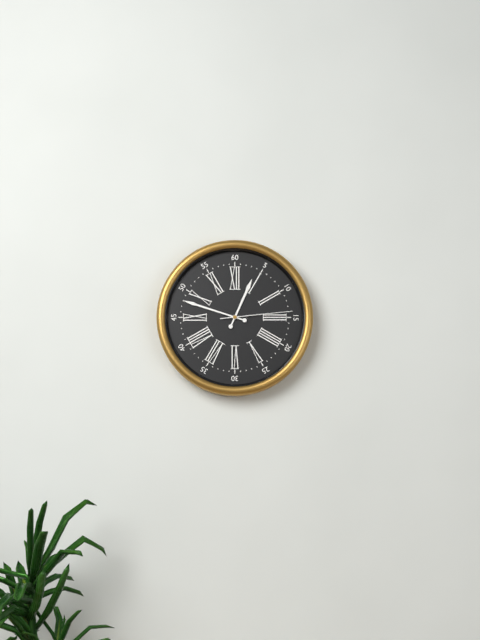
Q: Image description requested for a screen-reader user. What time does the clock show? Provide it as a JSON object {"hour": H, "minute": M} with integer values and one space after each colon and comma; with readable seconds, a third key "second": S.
{"hour": 12, "minute": 48, "second": 14}
